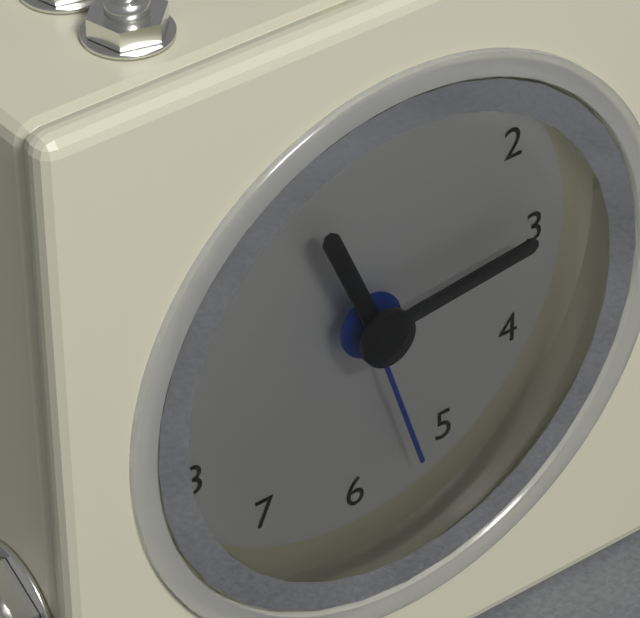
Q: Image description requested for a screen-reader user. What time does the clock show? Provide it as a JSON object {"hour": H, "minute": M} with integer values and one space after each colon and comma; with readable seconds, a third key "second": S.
{"hour": 11, "minute": 14, "second": 27}
